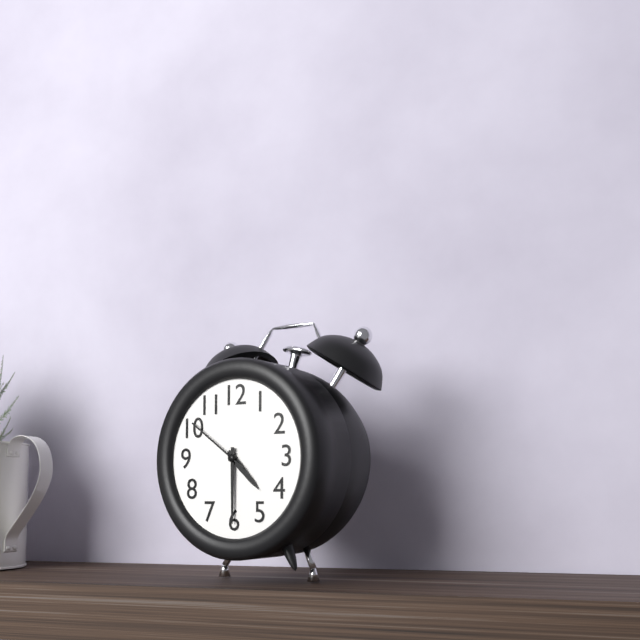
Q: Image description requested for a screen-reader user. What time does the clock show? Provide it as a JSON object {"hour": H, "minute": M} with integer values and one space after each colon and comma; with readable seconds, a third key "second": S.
{"hour": 4, "minute": 30, "second": 51}
